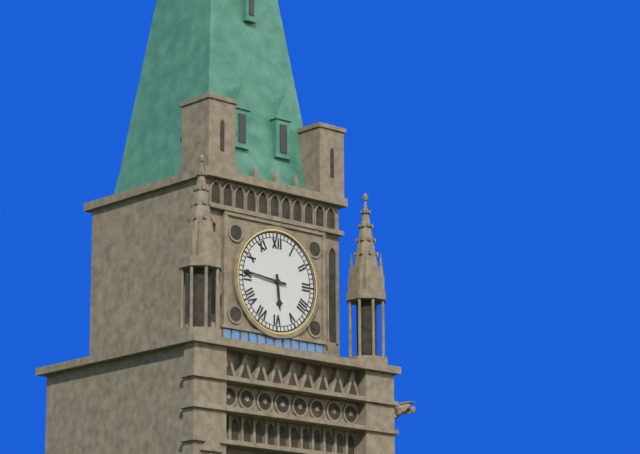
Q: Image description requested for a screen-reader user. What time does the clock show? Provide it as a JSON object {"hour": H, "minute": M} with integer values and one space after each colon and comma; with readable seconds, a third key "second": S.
{"hour": 5, "minute": 46}
